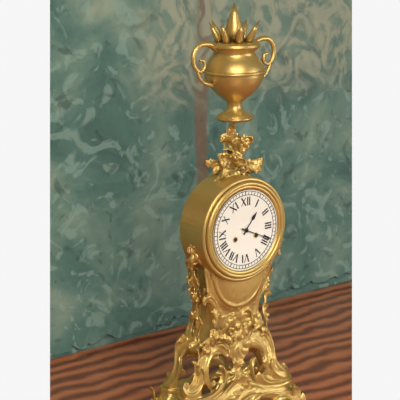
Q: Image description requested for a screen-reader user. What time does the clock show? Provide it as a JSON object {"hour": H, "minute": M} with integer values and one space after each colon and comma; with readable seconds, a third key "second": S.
{"hour": 1, "minute": 19}
